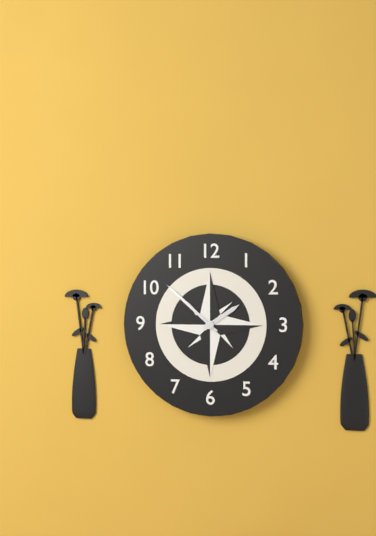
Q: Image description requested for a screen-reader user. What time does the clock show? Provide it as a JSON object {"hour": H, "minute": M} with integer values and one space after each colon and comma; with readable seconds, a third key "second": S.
{"hour": 1, "minute": 52}
